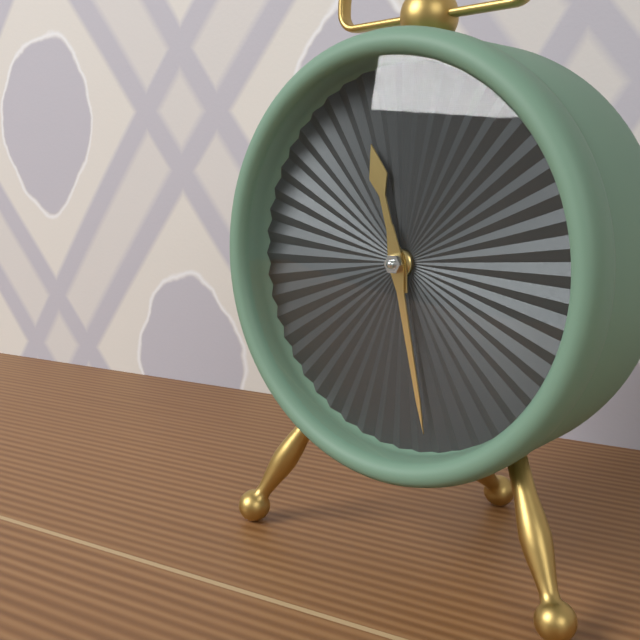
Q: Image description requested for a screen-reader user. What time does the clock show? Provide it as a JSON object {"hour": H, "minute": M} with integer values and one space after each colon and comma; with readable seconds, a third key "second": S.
{"hour": 11, "minute": 28}
